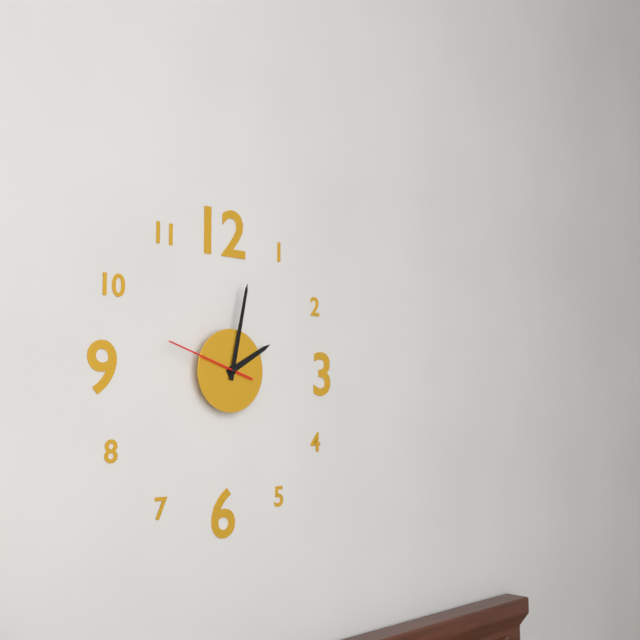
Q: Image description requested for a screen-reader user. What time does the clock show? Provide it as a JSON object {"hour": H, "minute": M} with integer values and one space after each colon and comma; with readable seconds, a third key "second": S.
{"hour": 2, "minute": 2, "second": 48}
